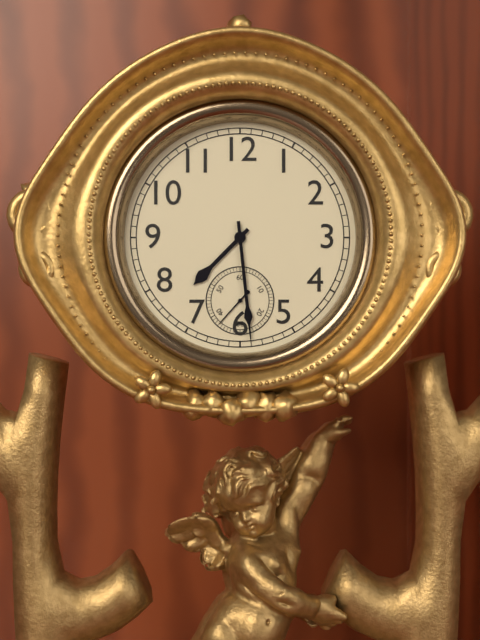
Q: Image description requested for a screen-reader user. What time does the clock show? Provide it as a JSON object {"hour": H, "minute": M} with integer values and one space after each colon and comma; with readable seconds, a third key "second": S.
{"hour": 7, "minute": 29}
